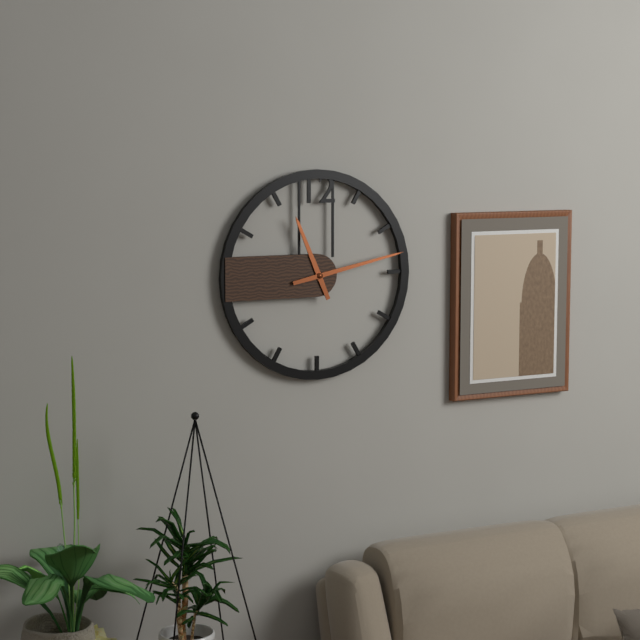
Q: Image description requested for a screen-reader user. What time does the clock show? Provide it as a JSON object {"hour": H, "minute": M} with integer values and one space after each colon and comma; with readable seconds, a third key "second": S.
{"hour": 11, "minute": 13}
